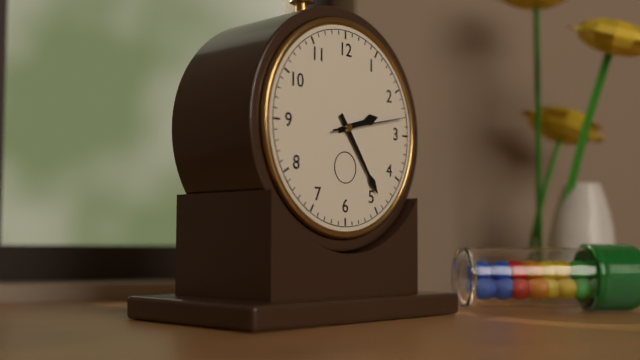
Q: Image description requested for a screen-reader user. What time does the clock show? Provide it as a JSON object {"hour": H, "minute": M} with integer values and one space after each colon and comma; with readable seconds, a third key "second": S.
{"hour": 2, "minute": 24, "second": 13}
